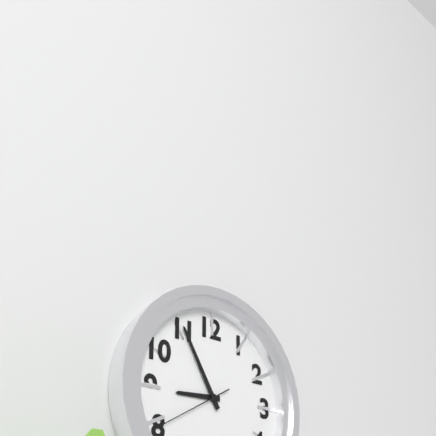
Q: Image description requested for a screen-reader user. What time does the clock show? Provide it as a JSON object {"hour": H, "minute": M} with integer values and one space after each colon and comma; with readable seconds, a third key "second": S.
{"hour": 8, "minute": 55, "second": 40}
